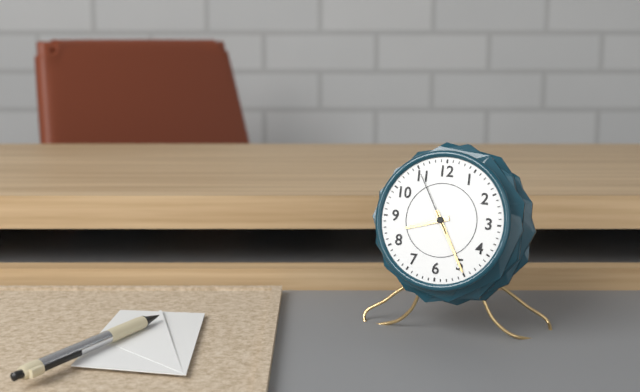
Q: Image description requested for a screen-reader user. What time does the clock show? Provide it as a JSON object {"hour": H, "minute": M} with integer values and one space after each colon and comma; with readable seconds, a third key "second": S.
{"hour": 8, "minute": 25, "second": 55}
